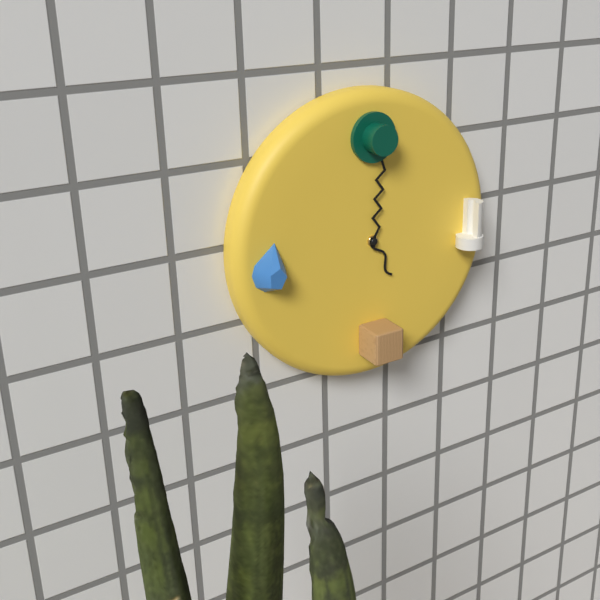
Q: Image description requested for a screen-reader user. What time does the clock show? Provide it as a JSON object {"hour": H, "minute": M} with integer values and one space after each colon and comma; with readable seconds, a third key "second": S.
{"hour": 5, "minute": 1}
